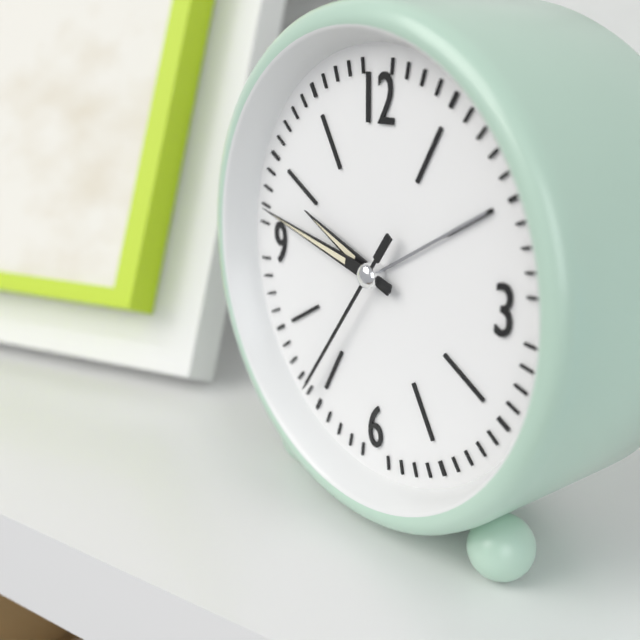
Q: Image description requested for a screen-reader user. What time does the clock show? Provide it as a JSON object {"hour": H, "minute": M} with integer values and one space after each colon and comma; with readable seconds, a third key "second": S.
{"hour": 9, "minute": 47, "second": 36}
